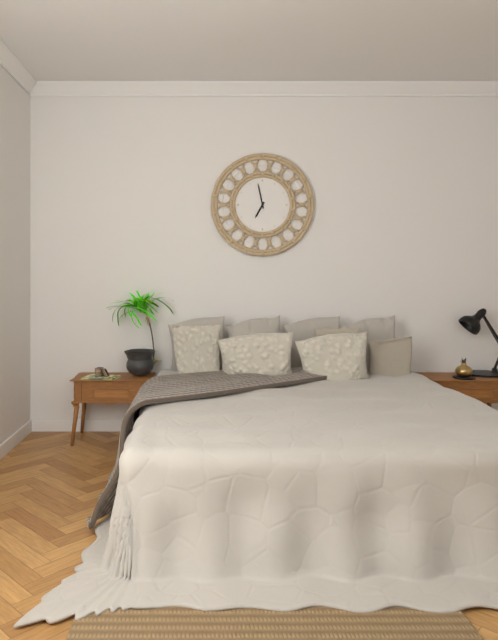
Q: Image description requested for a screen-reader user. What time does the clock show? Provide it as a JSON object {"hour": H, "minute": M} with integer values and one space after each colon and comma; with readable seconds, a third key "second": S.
{"hour": 6, "minute": 58}
